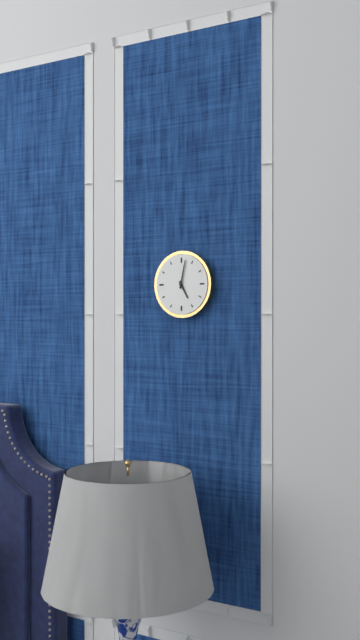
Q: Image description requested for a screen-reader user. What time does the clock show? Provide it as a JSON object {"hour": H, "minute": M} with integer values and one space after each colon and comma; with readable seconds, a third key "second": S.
{"hour": 5, "minute": 2}
